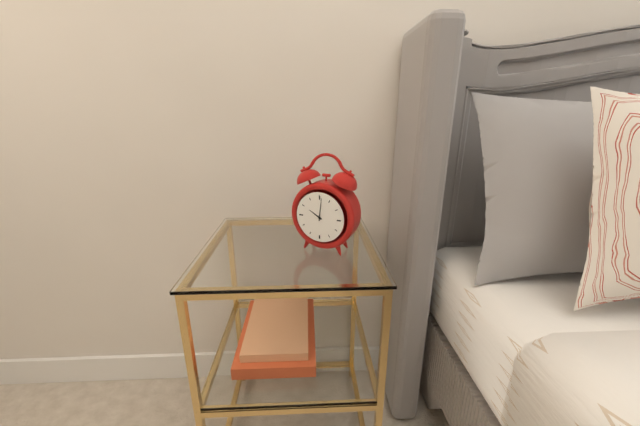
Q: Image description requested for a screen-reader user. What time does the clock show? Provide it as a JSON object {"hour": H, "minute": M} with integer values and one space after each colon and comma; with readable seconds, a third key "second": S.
{"hour": 10, "minute": 1}
